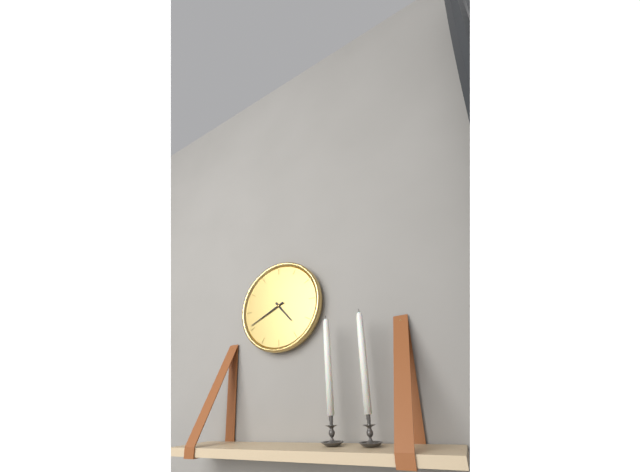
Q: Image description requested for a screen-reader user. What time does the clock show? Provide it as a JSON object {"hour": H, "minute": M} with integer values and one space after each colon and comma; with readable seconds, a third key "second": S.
{"hour": 4, "minute": 41}
